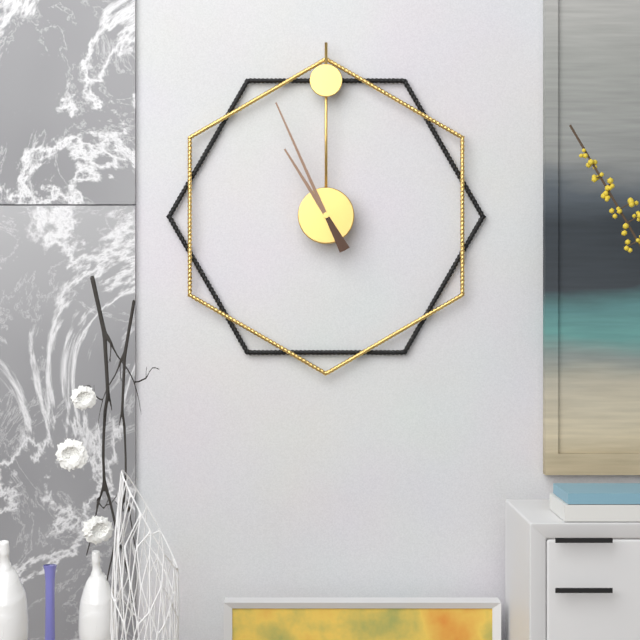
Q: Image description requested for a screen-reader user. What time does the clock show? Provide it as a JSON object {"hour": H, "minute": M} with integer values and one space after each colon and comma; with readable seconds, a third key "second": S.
{"hour": 10, "minute": 56}
